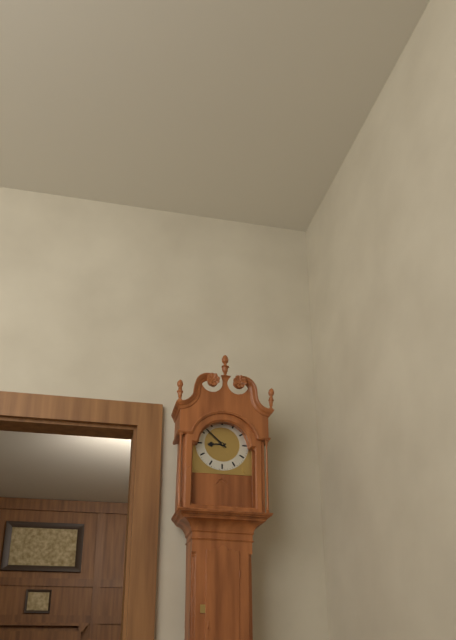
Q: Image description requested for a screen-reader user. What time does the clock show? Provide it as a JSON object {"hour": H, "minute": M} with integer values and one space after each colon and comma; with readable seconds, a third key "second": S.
{"hour": 8, "minute": 52}
